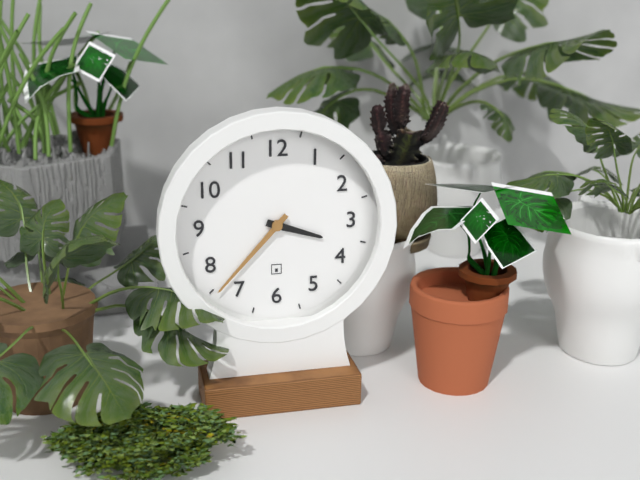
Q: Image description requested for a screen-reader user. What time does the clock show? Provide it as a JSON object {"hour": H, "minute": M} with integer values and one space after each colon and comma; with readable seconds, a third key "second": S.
{"hour": 3, "minute": 37}
